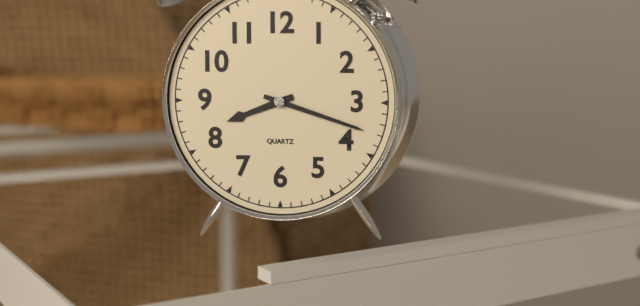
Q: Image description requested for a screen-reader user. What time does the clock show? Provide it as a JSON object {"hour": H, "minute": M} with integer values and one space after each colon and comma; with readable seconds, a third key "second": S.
{"hour": 8, "minute": 18}
